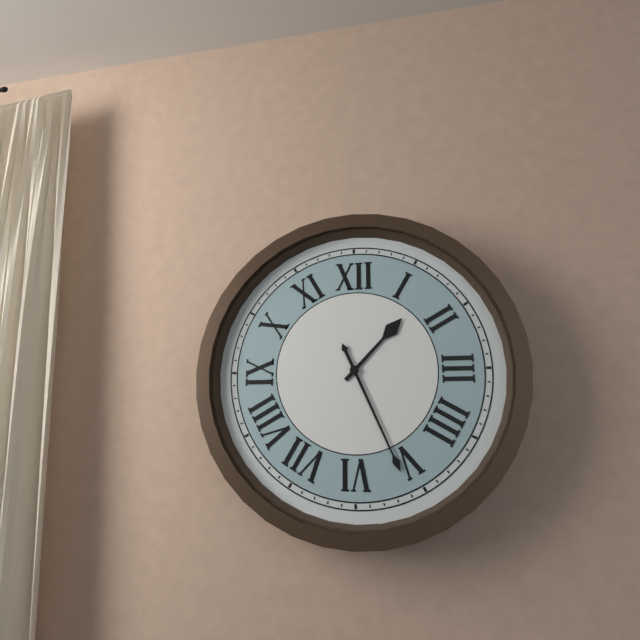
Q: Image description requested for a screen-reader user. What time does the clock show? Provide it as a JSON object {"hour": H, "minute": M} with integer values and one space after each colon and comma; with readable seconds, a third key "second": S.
{"hour": 1, "minute": 26}
